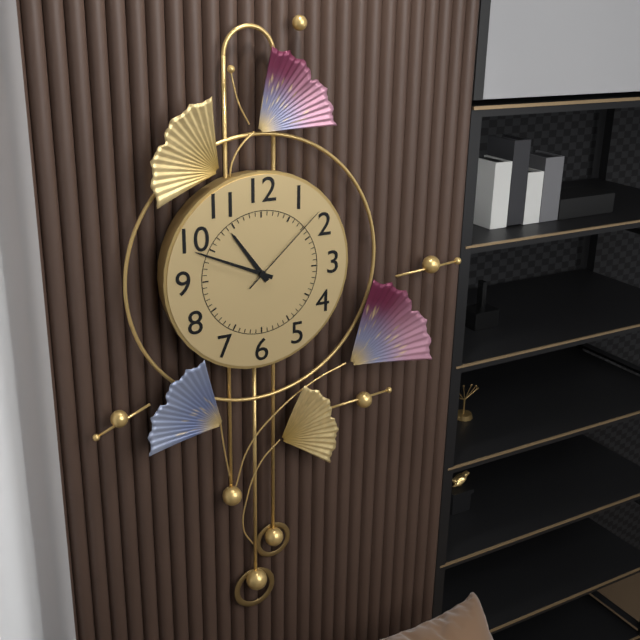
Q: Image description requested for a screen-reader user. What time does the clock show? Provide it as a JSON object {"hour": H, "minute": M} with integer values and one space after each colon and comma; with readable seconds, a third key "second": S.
{"hour": 10, "minute": 49, "second": 8}
